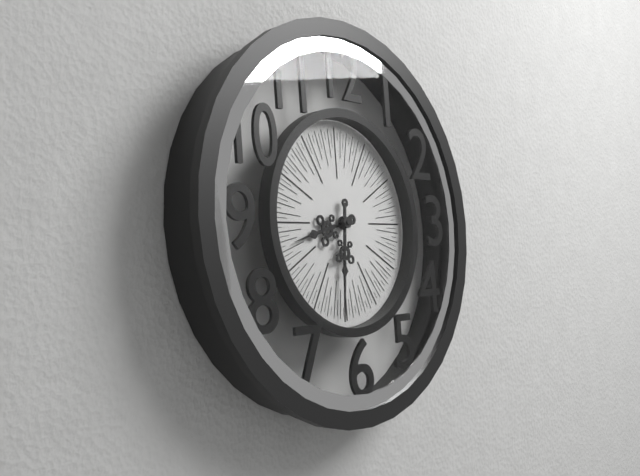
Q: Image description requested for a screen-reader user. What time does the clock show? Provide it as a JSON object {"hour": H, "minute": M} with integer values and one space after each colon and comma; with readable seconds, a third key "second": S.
{"hour": 8, "minute": 31}
